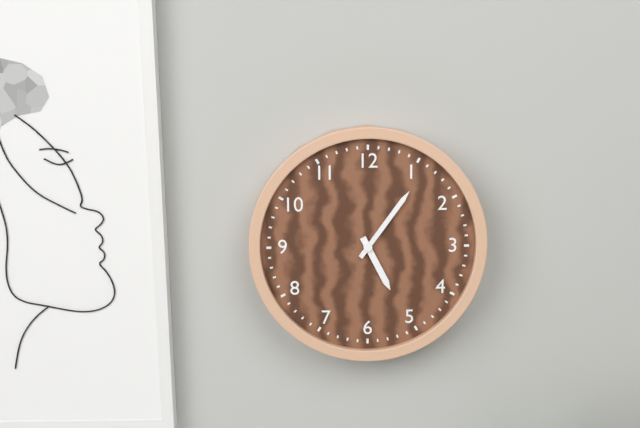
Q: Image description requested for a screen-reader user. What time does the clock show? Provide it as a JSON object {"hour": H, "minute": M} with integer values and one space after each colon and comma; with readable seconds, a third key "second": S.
{"hour": 5, "minute": 6}
